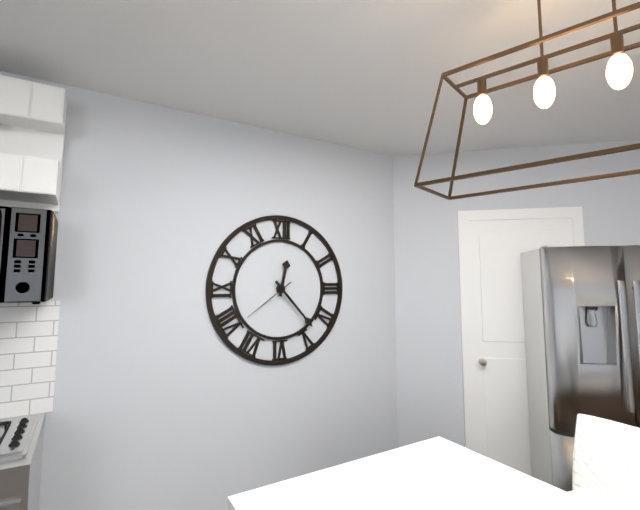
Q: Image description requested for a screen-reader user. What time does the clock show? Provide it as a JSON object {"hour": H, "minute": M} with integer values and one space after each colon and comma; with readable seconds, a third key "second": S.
{"hour": 12, "minute": 23, "second": 39}
